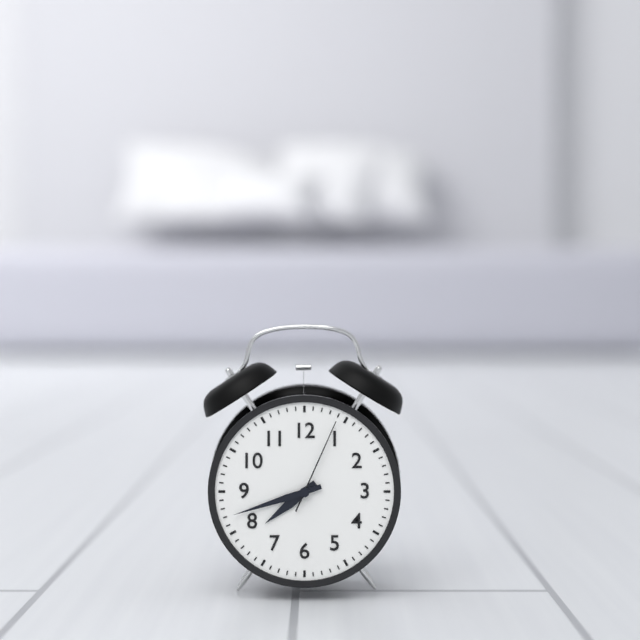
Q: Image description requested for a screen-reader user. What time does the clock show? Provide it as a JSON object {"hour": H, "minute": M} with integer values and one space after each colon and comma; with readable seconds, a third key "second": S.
{"hour": 7, "minute": 42, "second": 4}
